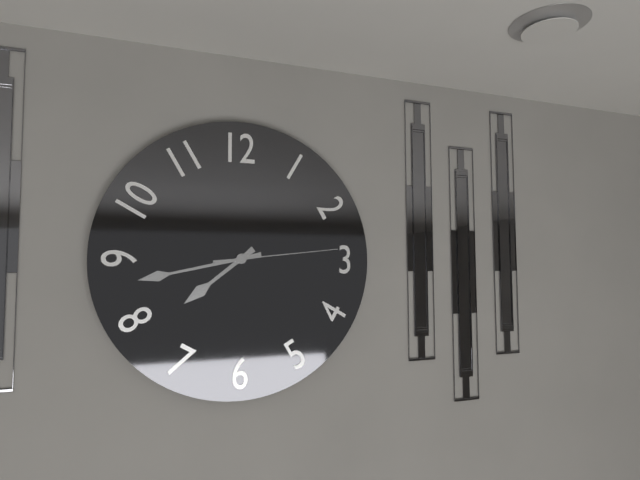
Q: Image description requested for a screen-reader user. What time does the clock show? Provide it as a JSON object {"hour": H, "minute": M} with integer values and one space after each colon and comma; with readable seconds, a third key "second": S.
{"hour": 7, "minute": 43, "second": 14}
